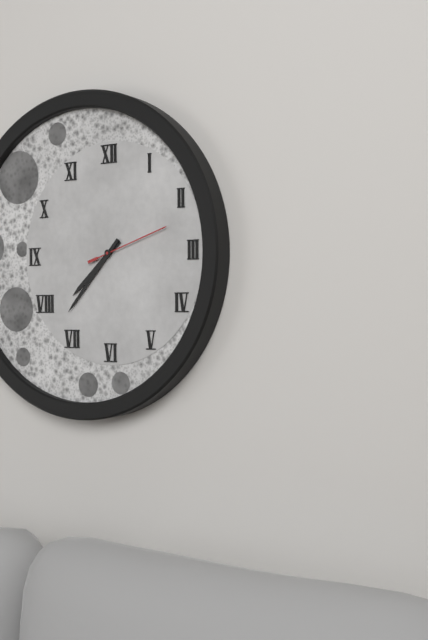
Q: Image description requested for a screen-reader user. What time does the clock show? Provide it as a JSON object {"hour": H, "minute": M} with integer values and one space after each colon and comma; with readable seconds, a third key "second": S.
{"hour": 7, "minute": 37, "second": 12}
